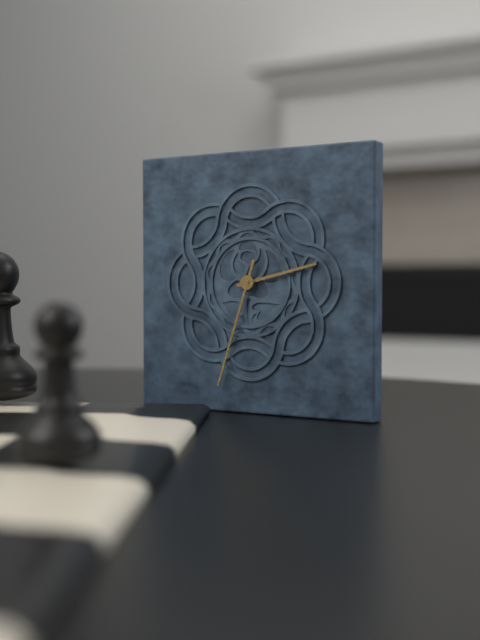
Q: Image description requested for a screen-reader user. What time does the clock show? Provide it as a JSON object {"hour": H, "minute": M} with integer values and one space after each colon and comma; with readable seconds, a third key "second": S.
{"hour": 2, "minute": 33}
